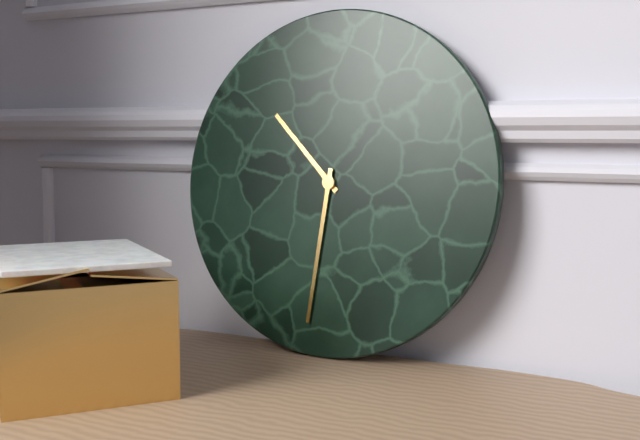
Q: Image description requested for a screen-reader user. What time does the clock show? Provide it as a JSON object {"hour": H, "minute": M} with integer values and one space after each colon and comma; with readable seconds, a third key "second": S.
{"hour": 10, "minute": 31}
